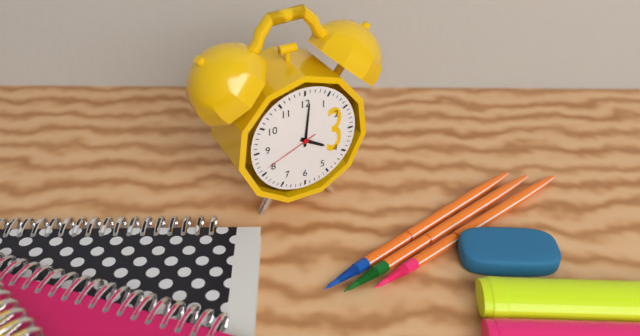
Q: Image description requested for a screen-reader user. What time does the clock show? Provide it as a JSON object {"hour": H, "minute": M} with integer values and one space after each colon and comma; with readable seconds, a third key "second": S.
{"hour": 4, "minute": 1, "second": 41}
